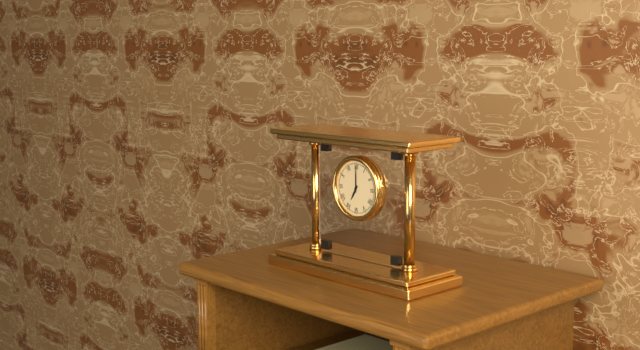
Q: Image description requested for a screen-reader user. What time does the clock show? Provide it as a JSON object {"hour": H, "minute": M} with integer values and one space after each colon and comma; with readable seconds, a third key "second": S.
{"hour": 7, "minute": 0}
